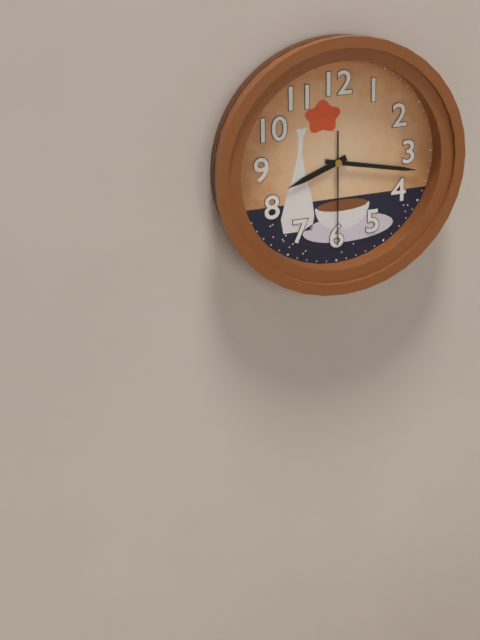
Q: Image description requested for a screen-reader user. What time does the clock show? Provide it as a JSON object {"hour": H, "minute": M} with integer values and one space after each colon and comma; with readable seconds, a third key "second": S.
{"hour": 8, "minute": 17, "second": 30}
